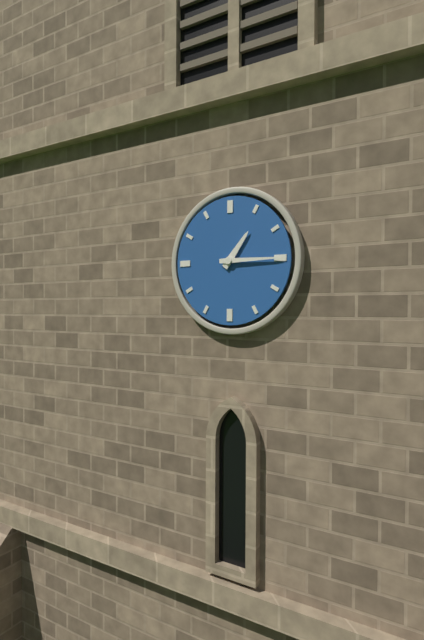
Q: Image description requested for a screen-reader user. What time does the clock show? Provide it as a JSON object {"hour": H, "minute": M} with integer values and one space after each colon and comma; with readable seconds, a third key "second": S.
{"hour": 1, "minute": 15}
